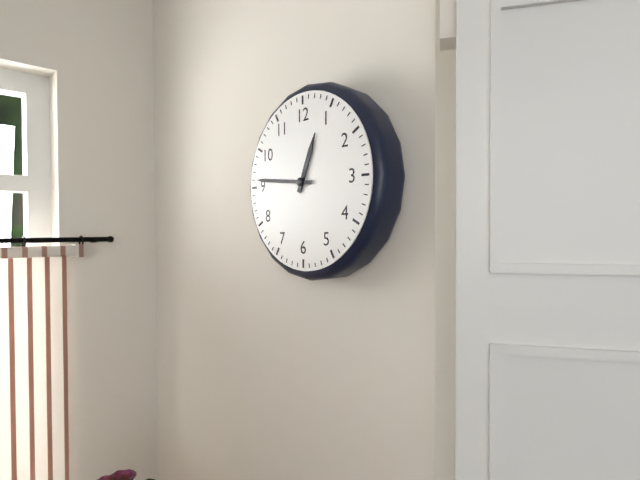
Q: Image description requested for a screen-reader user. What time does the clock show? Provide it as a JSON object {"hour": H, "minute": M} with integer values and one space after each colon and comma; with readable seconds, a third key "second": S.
{"hour": 12, "minute": 46}
